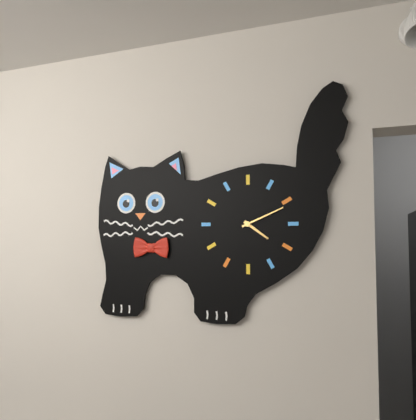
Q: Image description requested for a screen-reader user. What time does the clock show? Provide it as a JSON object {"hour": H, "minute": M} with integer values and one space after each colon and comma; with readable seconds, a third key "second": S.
{"hour": 4, "minute": 11}
